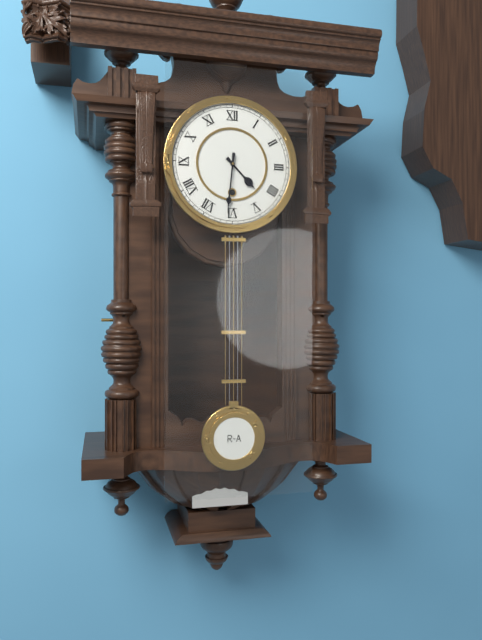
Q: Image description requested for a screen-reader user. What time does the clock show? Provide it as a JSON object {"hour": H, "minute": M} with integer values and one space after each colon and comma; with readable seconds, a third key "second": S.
{"hour": 4, "minute": 31}
